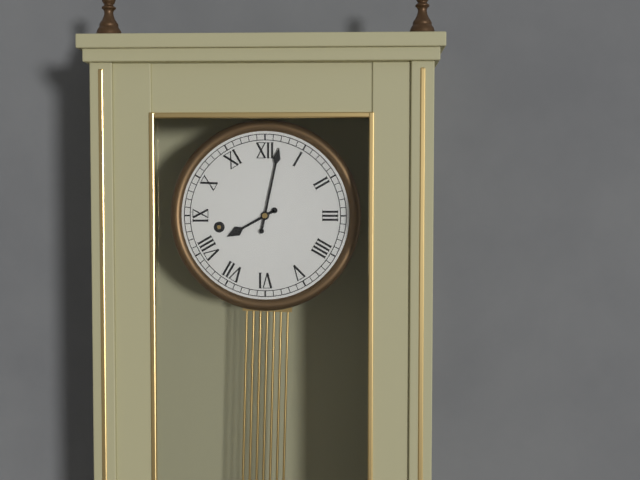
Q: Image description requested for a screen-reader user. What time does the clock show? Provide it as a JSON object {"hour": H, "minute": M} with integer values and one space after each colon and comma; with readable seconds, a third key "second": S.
{"hour": 8, "minute": 2}
